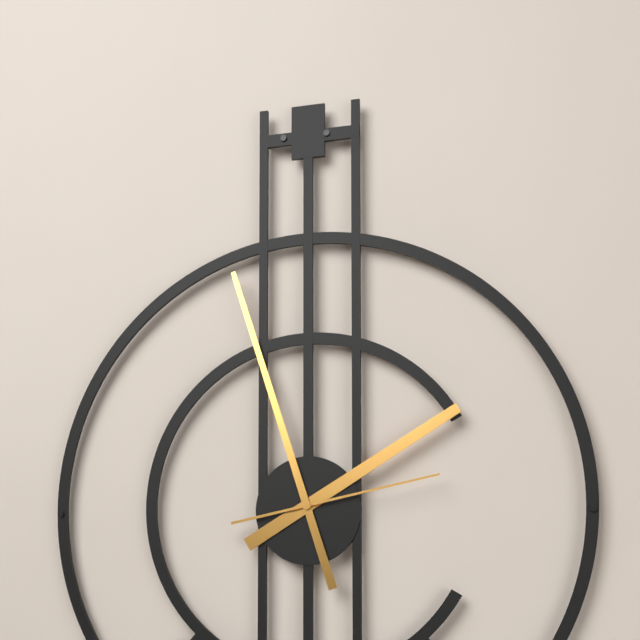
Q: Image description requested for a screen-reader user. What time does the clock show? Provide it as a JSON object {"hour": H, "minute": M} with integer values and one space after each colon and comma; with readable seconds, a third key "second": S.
{"hour": 1, "minute": 57, "second": 13}
